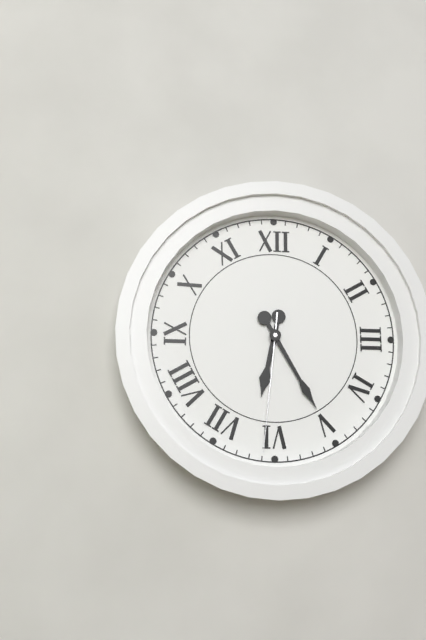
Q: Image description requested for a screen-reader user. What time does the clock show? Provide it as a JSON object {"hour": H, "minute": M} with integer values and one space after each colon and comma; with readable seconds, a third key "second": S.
{"hour": 6, "minute": 25, "second": 31}
